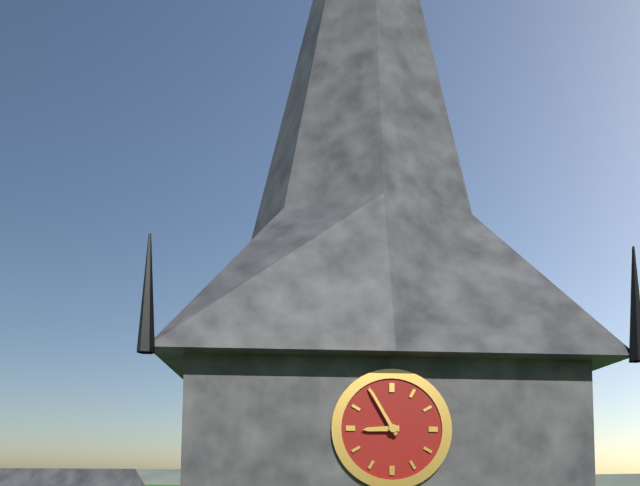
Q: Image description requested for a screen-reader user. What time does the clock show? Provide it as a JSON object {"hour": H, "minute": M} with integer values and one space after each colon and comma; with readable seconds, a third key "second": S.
{"hour": 8, "minute": 55}
